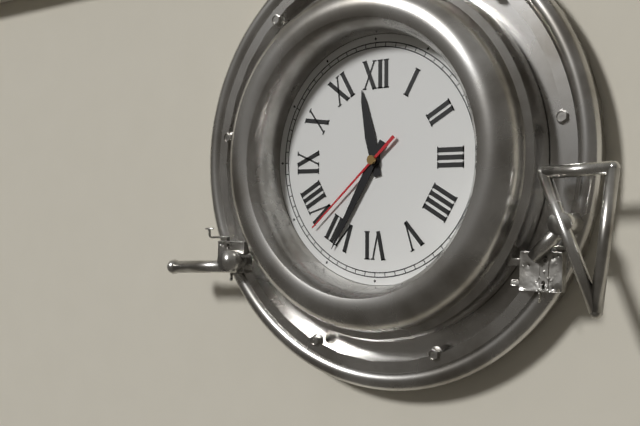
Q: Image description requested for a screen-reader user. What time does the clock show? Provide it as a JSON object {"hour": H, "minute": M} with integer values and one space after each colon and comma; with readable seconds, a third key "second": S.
{"hour": 11, "minute": 35, "second": 38}
